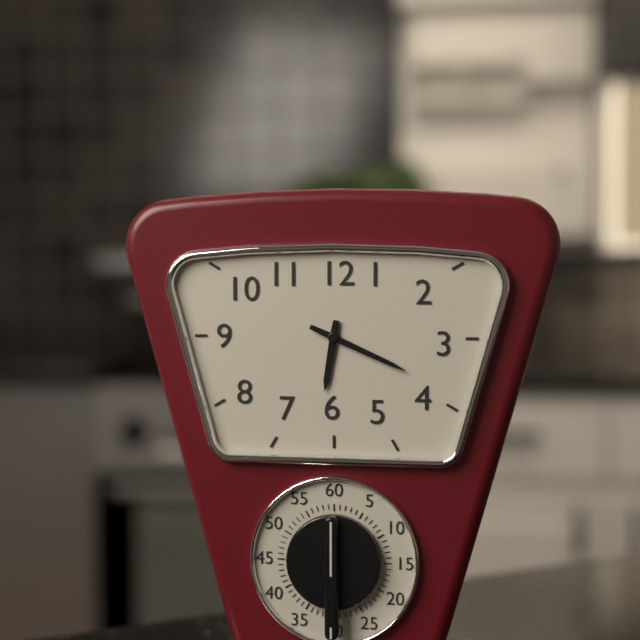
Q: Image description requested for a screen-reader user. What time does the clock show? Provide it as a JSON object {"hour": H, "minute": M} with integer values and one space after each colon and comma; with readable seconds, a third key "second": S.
{"hour": 6, "minute": 19}
